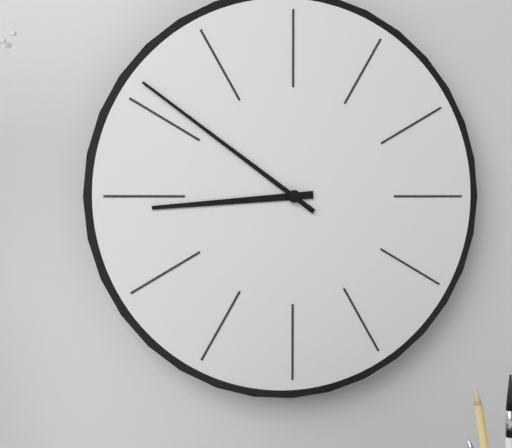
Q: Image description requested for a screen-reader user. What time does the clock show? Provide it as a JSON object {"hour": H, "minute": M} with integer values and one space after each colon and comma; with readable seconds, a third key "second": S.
{"hour": 8, "minute": 51}
